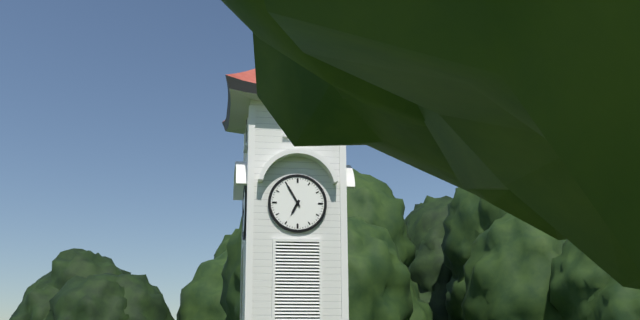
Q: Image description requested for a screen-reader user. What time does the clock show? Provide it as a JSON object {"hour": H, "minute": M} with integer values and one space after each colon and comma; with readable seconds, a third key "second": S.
{"hour": 6, "minute": 55}
